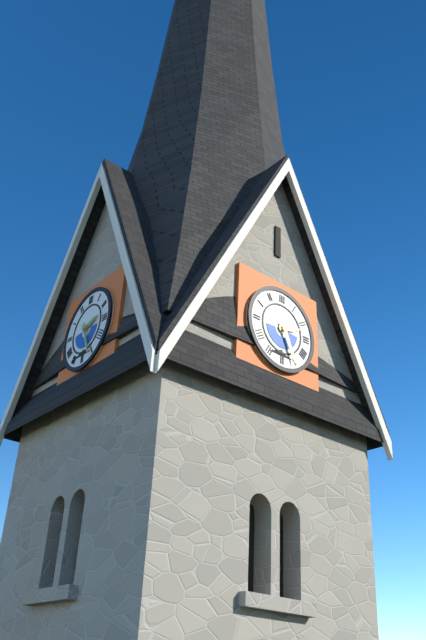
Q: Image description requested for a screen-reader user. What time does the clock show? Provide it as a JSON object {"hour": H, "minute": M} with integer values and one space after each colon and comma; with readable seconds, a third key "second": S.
{"hour": 2, "minute": 26}
